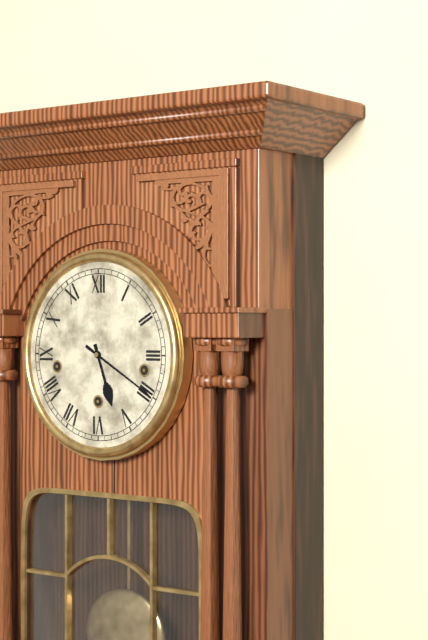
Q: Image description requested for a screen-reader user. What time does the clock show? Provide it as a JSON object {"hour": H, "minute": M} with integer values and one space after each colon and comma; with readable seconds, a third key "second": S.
{"hour": 5, "minute": 20}
